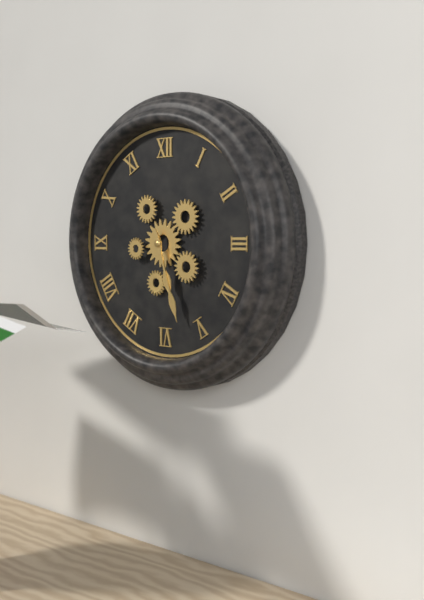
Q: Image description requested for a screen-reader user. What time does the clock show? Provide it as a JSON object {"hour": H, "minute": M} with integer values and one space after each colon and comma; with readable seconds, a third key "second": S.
{"hour": 5, "minute": 27}
